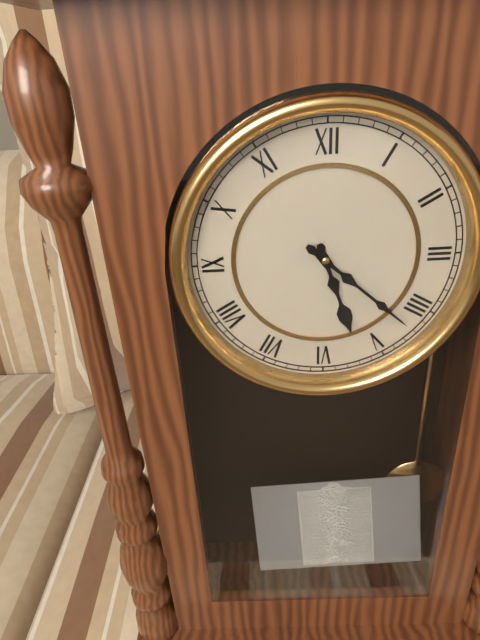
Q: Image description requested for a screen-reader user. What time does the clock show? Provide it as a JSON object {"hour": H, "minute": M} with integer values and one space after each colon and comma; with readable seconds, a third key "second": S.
{"hour": 5, "minute": 22}
